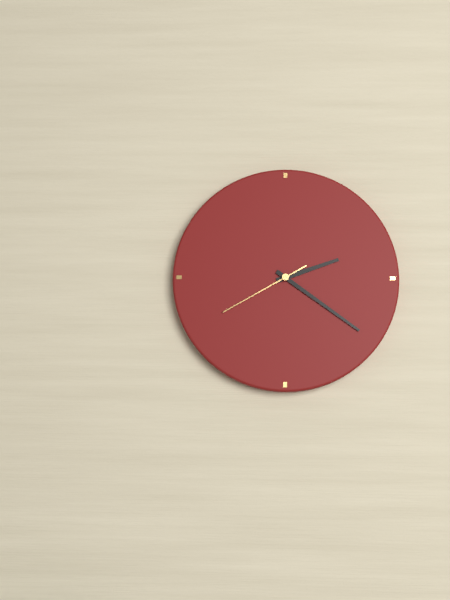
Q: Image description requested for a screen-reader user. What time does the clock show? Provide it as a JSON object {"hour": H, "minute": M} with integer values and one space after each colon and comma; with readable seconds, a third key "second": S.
{"hour": 2, "minute": 21, "second": 40}
